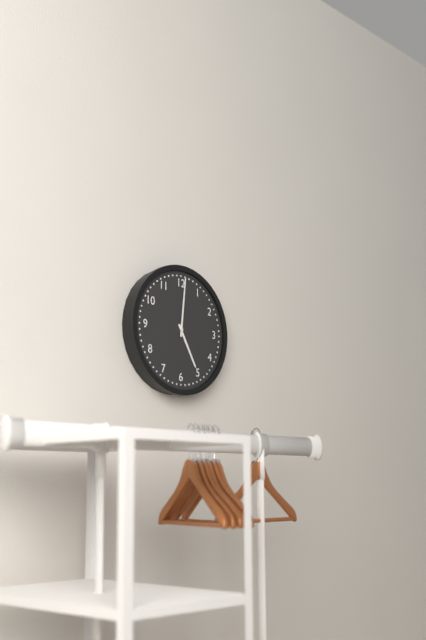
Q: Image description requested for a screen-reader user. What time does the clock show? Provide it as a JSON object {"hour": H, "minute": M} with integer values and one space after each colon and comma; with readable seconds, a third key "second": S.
{"hour": 5, "minute": 1}
